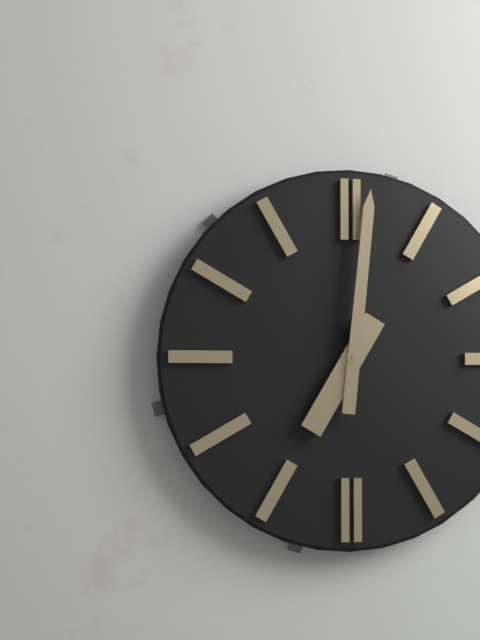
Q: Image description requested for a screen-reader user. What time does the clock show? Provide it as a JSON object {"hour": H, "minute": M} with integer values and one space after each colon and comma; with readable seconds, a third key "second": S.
{"hour": 7, "minute": 1}
